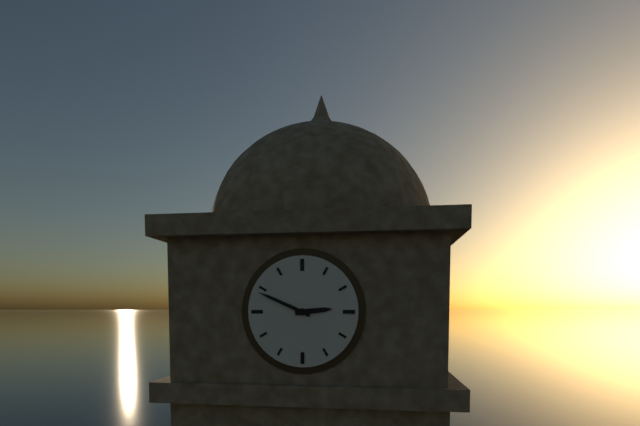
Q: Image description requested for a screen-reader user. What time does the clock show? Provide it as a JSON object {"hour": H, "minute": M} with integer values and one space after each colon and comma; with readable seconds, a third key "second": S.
{"hour": 2, "minute": 49}
